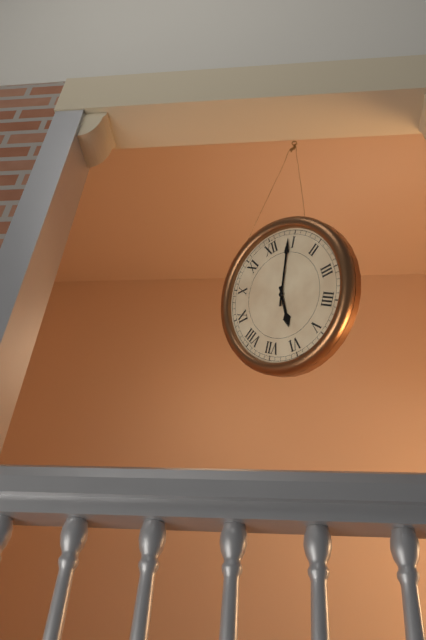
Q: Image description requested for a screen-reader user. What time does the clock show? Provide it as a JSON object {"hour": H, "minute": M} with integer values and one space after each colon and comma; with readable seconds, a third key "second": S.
{"hour": 6, "minute": 4}
